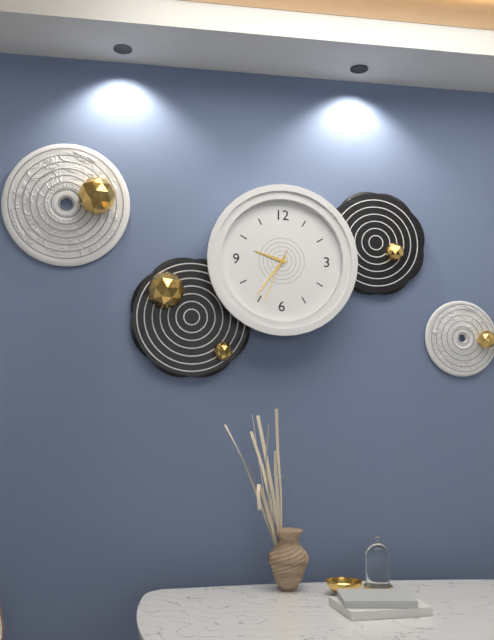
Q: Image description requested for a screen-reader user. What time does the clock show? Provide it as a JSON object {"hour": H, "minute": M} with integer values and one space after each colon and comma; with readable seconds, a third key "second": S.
{"hour": 9, "minute": 36, "second": 34}
